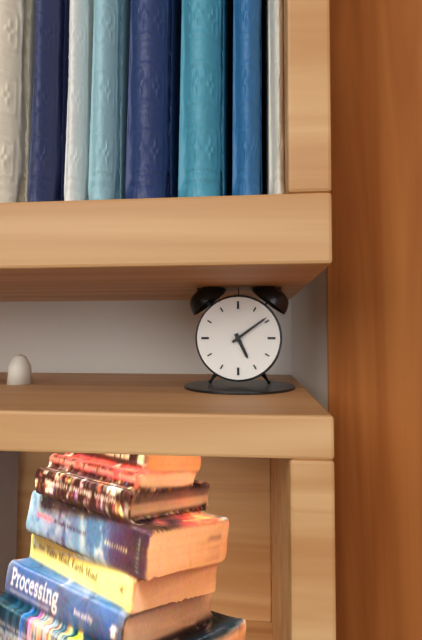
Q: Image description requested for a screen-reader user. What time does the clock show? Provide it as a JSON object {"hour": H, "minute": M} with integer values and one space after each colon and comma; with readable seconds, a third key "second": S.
{"hour": 5, "minute": 9}
